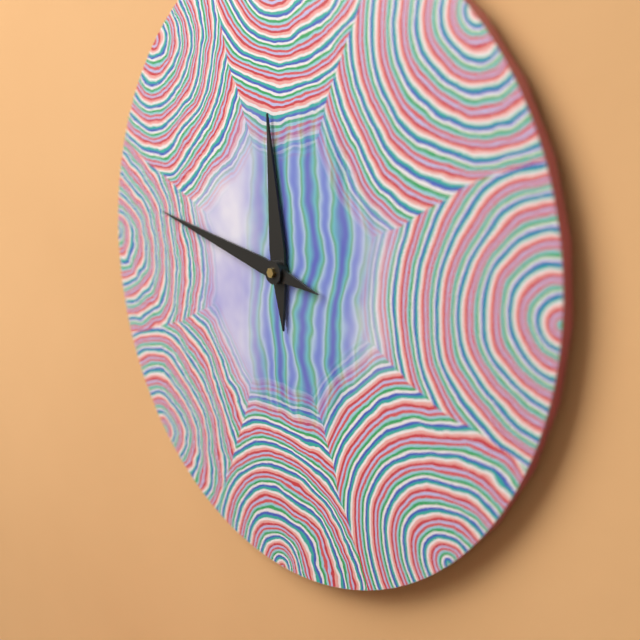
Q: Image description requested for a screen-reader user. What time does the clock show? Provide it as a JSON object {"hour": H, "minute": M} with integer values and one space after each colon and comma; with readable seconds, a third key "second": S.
{"hour": 11, "minute": 47}
